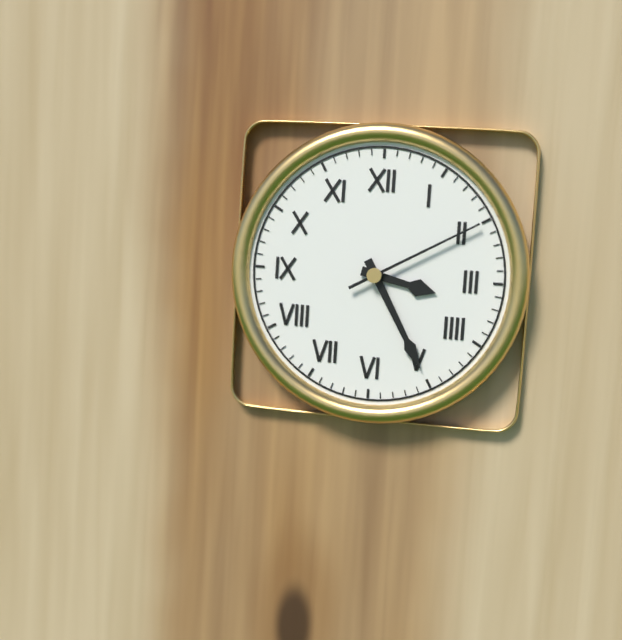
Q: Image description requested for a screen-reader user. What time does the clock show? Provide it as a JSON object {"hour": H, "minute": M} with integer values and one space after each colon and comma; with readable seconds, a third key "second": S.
{"hour": 3, "minute": 25, "second": 10}
